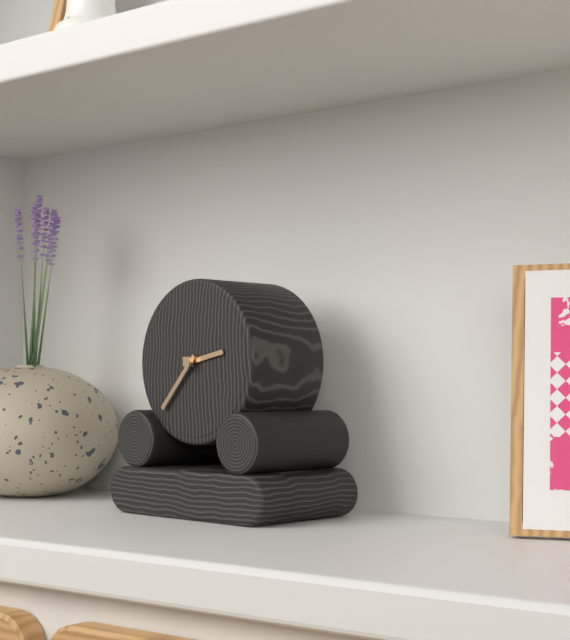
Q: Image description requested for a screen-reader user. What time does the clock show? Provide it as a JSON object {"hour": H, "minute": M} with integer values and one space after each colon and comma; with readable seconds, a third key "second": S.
{"hour": 2, "minute": 37}
